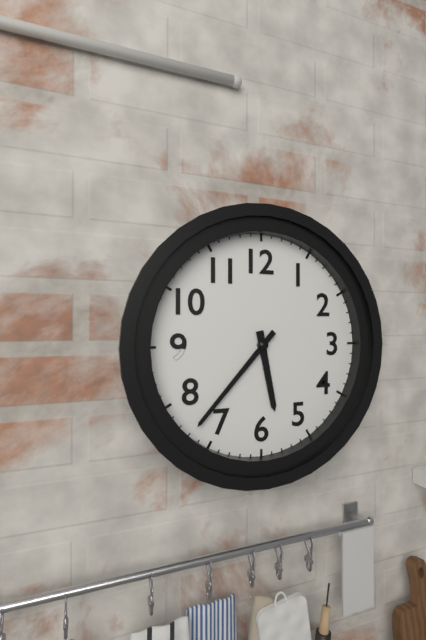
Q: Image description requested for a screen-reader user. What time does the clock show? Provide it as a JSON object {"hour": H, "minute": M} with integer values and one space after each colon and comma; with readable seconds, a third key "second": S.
{"hour": 5, "minute": 37}
